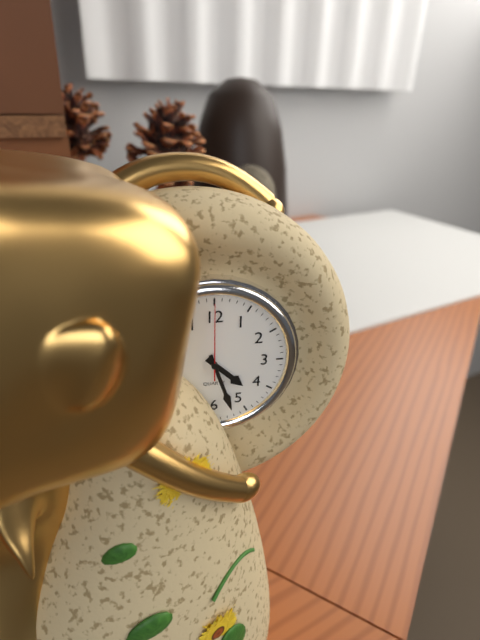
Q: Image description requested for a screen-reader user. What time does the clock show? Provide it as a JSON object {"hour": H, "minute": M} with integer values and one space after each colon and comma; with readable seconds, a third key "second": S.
{"hour": 4, "minute": 27, "second": 0}
